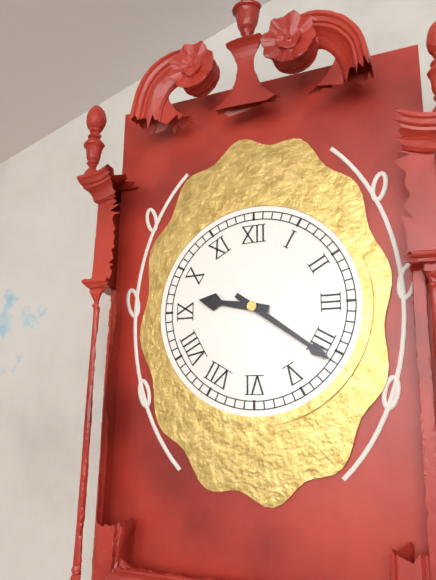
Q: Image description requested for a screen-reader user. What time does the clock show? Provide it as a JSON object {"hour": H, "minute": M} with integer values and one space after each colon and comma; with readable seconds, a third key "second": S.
{"hour": 9, "minute": 21}
